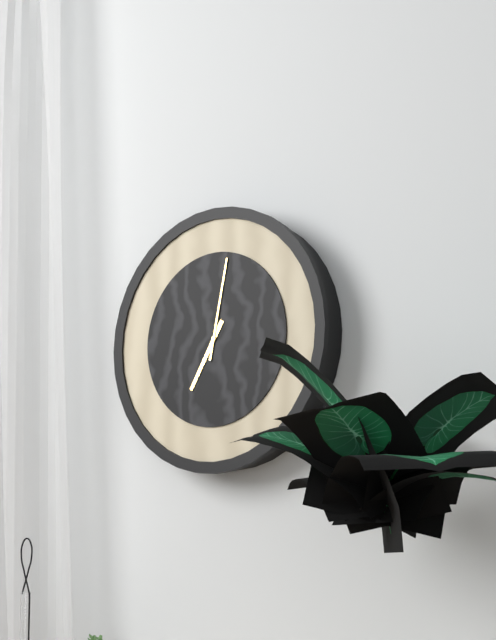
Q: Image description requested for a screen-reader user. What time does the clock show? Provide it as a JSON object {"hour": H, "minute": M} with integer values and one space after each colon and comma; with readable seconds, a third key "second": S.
{"hour": 7, "minute": 2}
